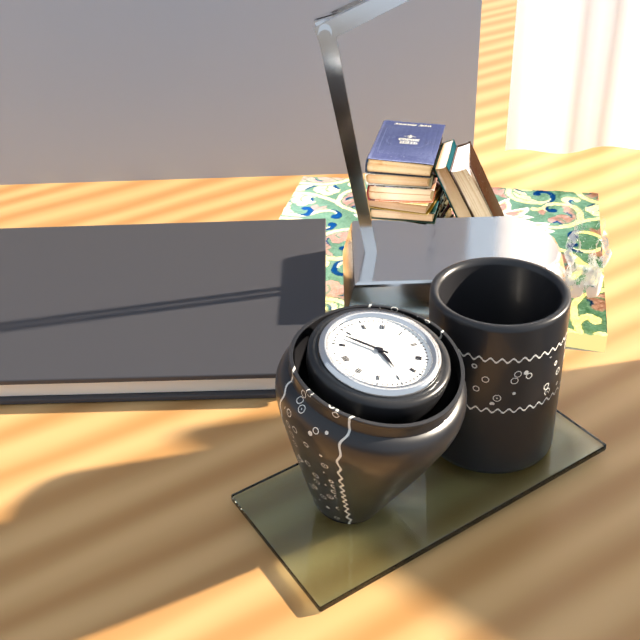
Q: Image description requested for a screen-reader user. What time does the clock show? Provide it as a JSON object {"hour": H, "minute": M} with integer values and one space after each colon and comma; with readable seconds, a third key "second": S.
{"hour": 4, "minute": 48}
